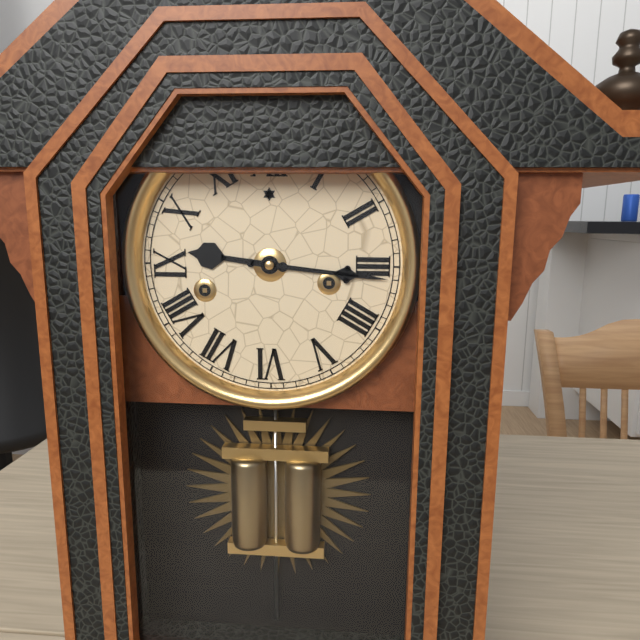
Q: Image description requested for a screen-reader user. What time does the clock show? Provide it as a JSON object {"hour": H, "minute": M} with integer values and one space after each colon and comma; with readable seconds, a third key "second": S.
{"hour": 9, "minute": 16}
